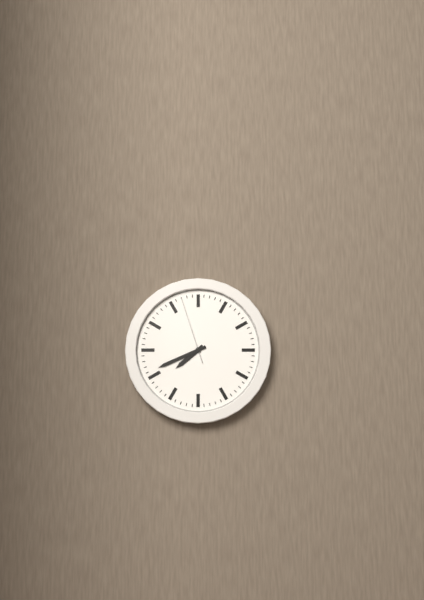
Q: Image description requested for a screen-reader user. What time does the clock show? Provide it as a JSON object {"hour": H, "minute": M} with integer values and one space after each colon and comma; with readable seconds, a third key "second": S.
{"hour": 7, "minute": 41, "second": 57}
